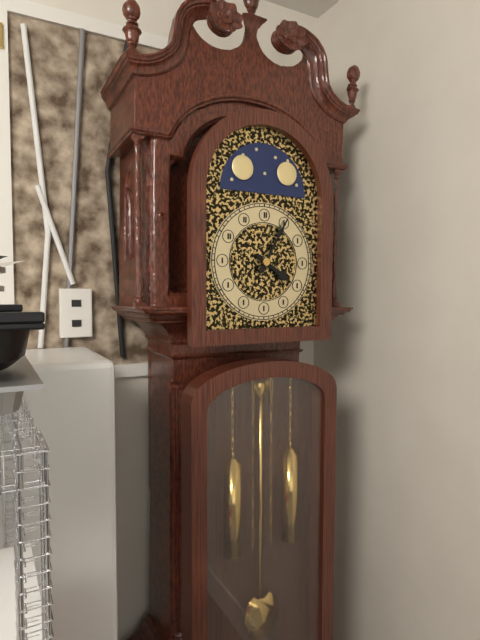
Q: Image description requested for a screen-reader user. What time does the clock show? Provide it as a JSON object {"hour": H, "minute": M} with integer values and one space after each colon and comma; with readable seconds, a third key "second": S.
{"hour": 4, "minute": 5}
